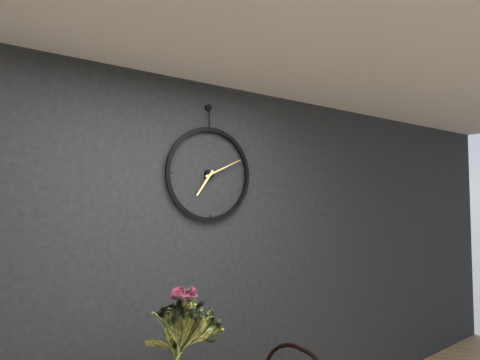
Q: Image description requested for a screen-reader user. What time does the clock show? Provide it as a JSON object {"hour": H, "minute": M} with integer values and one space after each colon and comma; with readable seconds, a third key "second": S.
{"hour": 7, "minute": 11}
